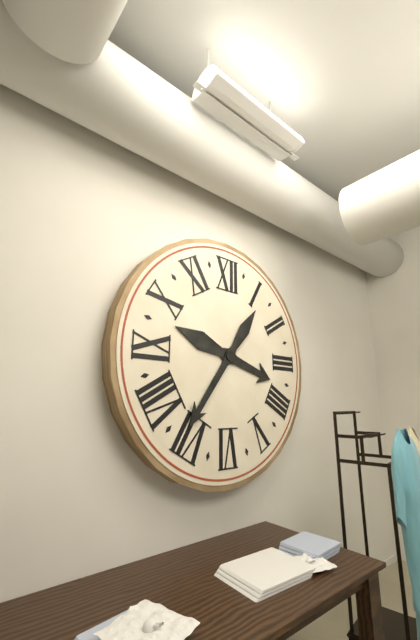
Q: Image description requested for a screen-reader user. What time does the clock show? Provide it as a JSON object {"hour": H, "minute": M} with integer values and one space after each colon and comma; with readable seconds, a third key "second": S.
{"hour": 3, "minute": 36}
